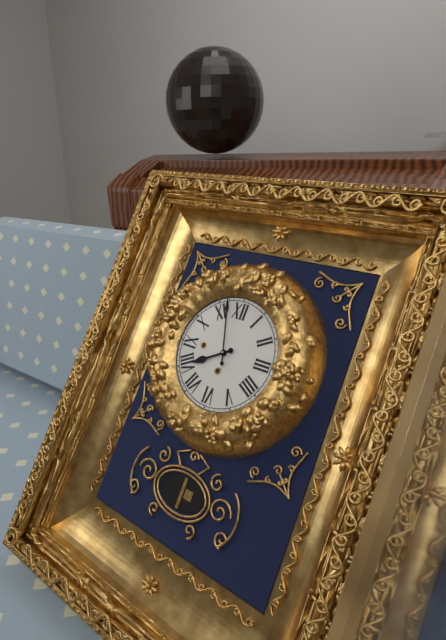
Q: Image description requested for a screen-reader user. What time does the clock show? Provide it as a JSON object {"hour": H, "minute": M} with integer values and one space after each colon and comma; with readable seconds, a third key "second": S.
{"hour": 7, "minute": 57}
